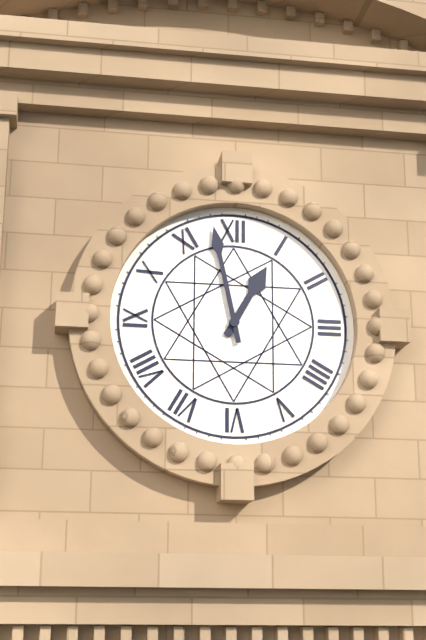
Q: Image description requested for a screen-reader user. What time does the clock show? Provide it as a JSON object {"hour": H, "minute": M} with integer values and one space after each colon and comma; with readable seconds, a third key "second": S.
{"hour": 12, "minute": 58}
